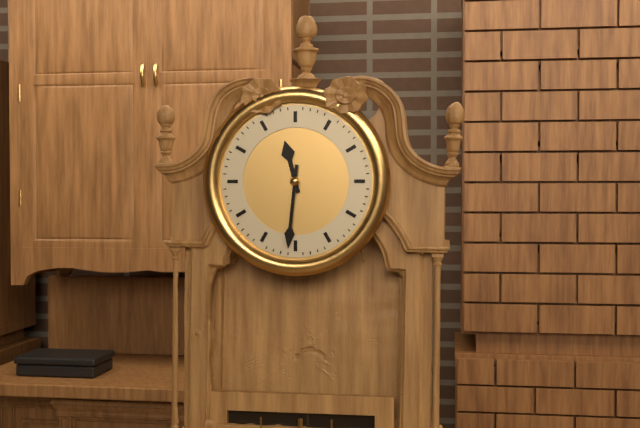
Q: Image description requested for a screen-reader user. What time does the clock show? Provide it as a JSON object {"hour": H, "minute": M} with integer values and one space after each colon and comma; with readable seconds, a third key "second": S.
{"hour": 11, "minute": 31}
